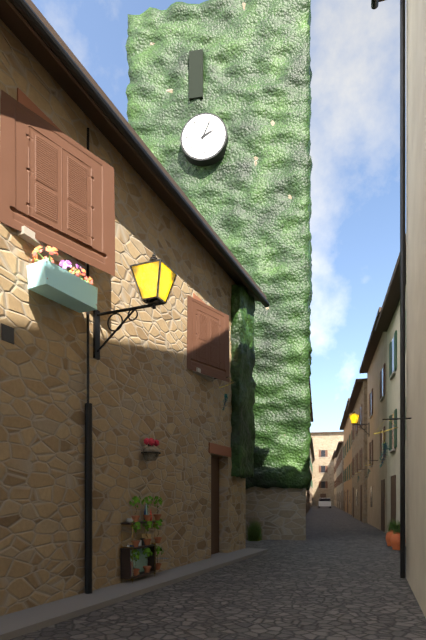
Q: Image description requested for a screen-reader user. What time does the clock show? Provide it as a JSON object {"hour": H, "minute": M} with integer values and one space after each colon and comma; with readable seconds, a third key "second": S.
{"hour": 2, "minute": 4}
